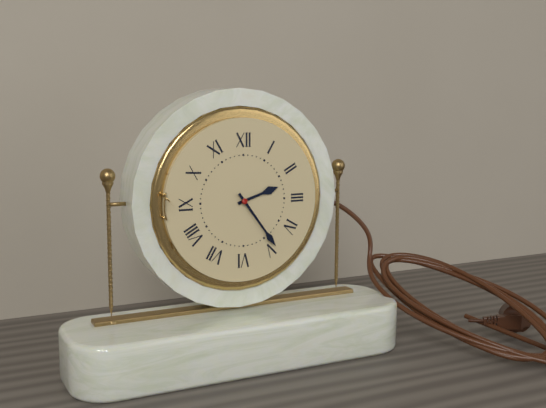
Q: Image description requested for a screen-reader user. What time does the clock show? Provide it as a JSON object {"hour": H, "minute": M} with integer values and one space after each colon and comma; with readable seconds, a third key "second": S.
{"hour": 2, "minute": 24}
